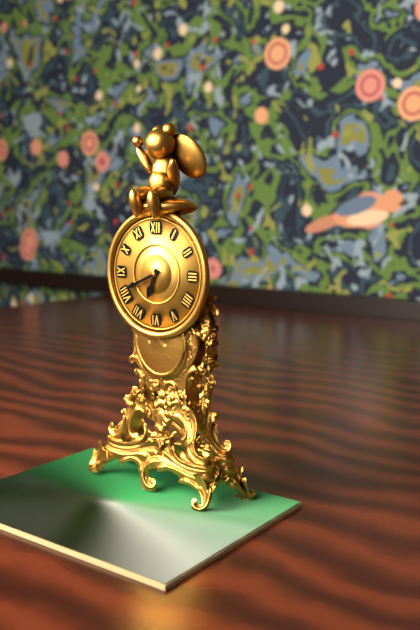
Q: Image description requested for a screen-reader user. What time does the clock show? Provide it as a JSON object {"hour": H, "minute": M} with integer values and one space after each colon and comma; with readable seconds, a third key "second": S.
{"hour": 6, "minute": 41}
